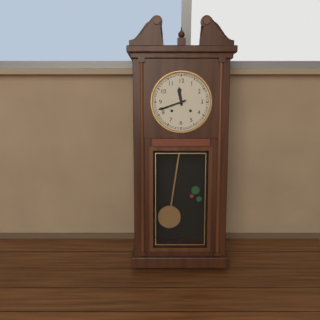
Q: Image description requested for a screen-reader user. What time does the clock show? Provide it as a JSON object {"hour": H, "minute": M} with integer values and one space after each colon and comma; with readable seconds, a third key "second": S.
{"hour": 11, "minute": 42}
